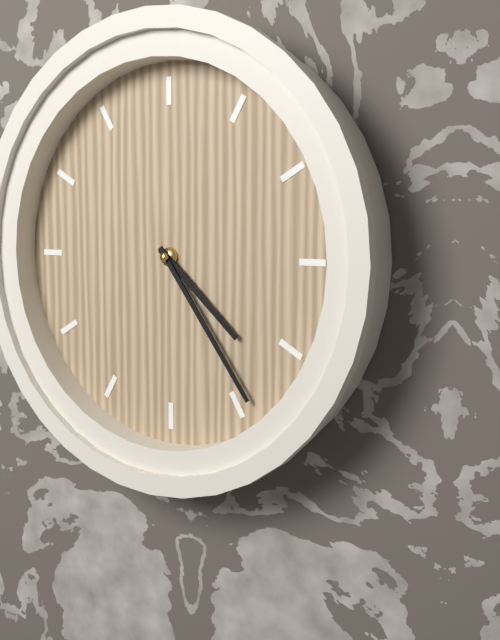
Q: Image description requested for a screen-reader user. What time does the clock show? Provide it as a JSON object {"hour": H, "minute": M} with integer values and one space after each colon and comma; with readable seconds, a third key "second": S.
{"hour": 4, "minute": 24}
